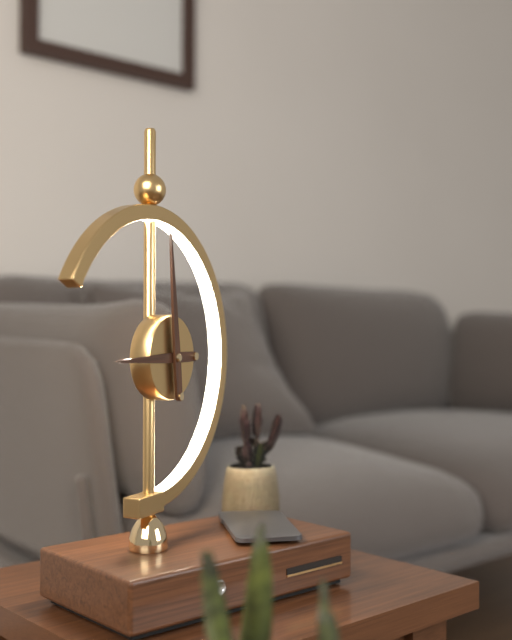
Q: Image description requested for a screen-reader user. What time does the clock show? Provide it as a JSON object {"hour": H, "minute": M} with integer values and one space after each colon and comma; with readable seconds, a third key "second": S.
{"hour": 8, "minute": 59}
